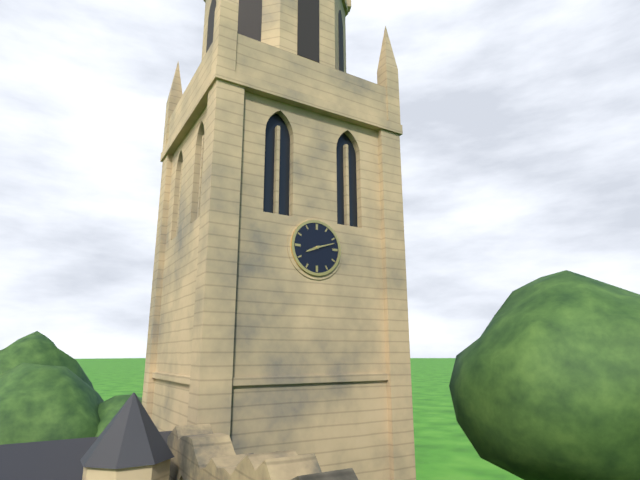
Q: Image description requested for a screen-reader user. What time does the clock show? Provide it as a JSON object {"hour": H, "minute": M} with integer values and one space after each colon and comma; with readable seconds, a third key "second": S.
{"hour": 8, "minute": 12}
